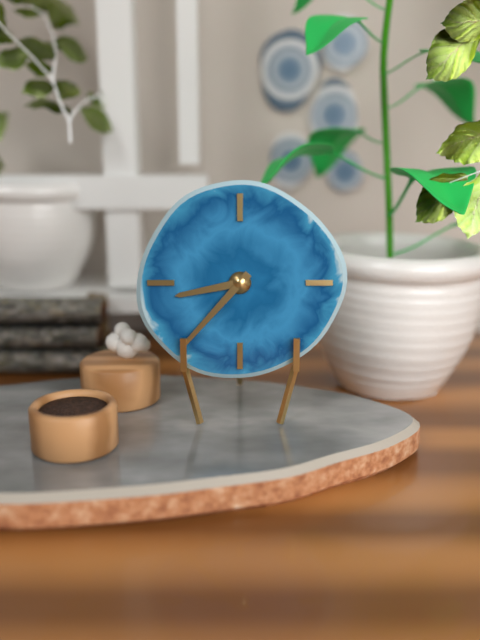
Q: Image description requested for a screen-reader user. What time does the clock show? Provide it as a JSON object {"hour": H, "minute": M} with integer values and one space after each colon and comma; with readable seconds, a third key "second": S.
{"hour": 8, "minute": 37}
